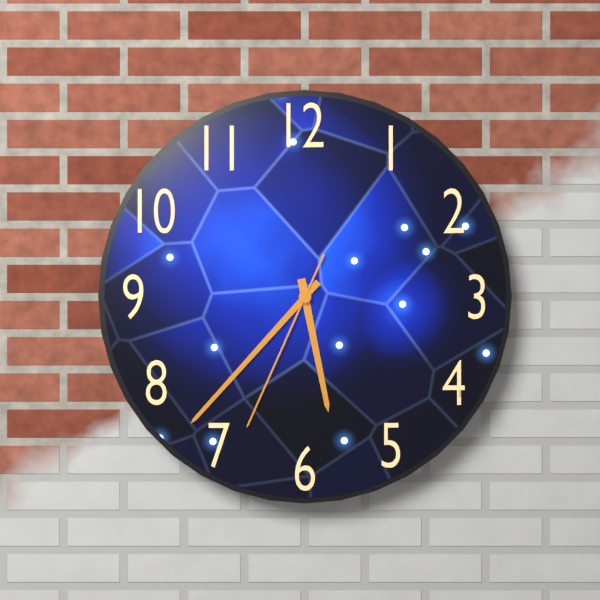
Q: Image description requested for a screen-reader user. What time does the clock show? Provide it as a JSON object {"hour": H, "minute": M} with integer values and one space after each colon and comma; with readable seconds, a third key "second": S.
{"hour": 5, "minute": 37, "second": 34}
